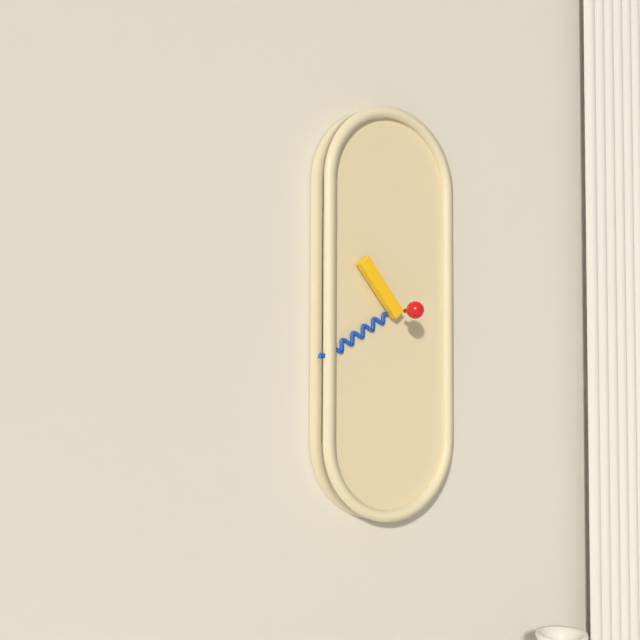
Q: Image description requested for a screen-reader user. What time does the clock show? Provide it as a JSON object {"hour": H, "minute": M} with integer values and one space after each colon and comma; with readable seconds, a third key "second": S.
{"hour": 10, "minute": 40}
